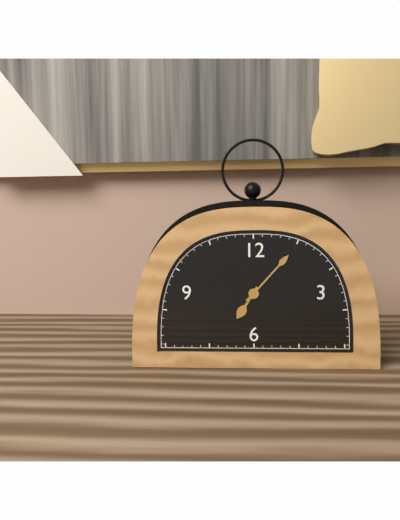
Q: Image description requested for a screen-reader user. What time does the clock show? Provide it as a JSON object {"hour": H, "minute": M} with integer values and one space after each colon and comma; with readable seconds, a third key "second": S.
{"hour": 7, "minute": 7}
